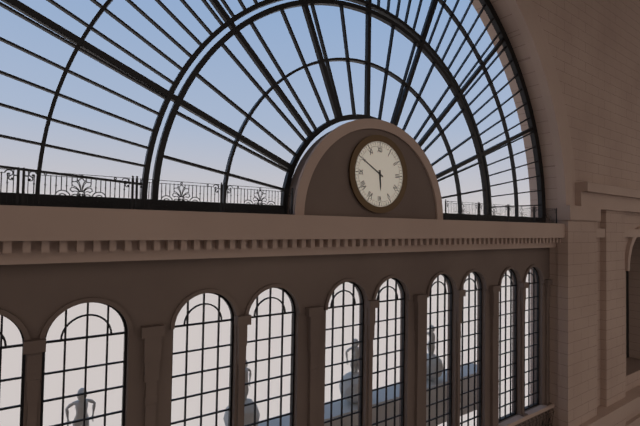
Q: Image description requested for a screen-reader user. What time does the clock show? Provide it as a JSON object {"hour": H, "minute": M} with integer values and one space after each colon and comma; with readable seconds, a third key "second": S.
{"hour": 5, "minute": 50}
